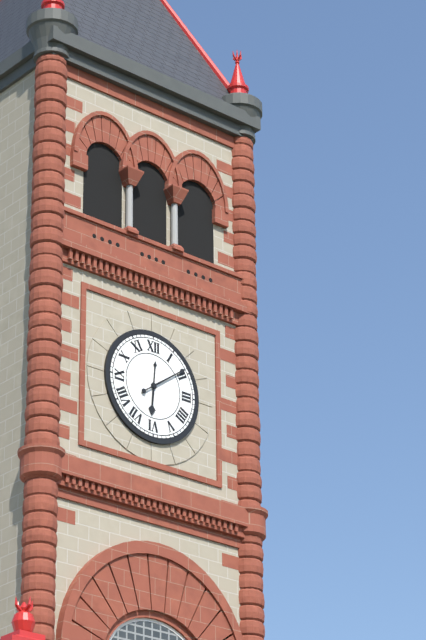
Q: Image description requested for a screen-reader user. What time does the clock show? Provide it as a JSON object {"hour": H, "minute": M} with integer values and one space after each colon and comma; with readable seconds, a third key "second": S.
{"hour": 6, "minute": 9}
